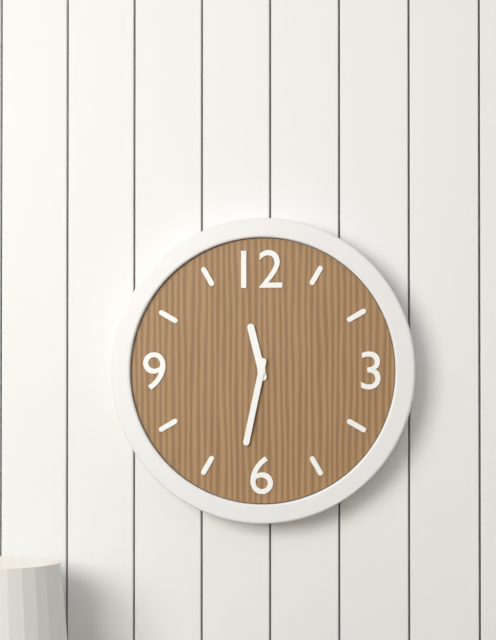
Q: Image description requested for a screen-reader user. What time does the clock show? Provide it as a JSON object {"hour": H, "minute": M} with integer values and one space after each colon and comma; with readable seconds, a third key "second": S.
{"hour": 11, "minute": 32}
